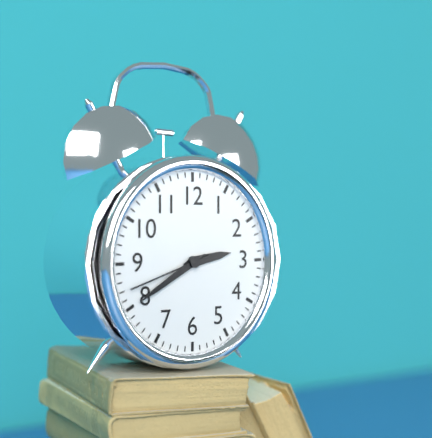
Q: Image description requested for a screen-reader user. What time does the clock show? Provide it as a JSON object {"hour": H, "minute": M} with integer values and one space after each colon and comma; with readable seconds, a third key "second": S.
{"hour": 2, "minute": 40, "second": 42}
